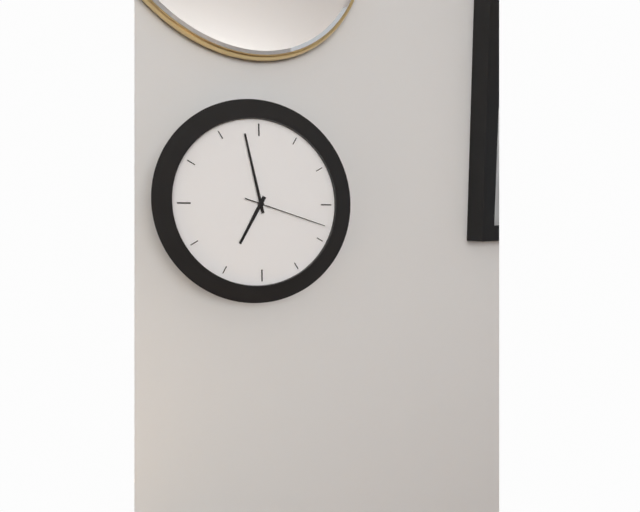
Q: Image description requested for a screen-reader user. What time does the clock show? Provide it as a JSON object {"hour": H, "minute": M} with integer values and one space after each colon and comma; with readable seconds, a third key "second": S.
{"hour": 6, "minute": 58, "second": 18}
